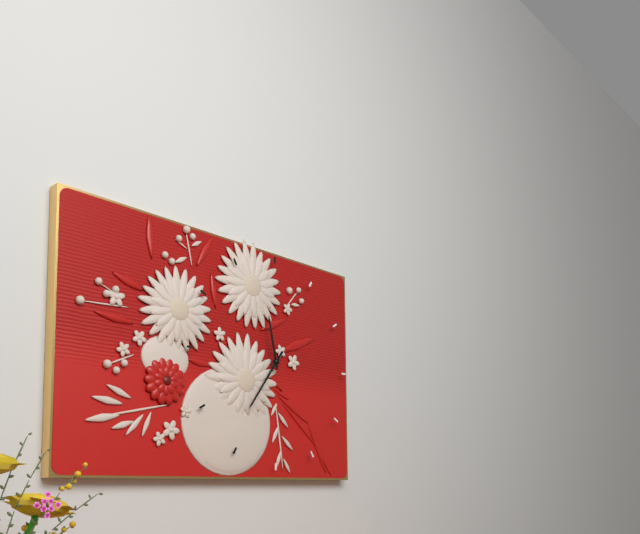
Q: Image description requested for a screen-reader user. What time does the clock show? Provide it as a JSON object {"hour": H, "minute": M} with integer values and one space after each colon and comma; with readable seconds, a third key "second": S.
{"hour": 11, "minute": 36}
